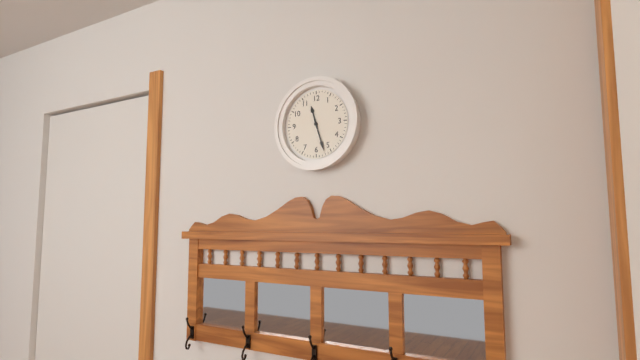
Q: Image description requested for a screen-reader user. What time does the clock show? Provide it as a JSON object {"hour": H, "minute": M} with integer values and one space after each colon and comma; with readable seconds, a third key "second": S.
{"hour": 11, "minute": 27}
